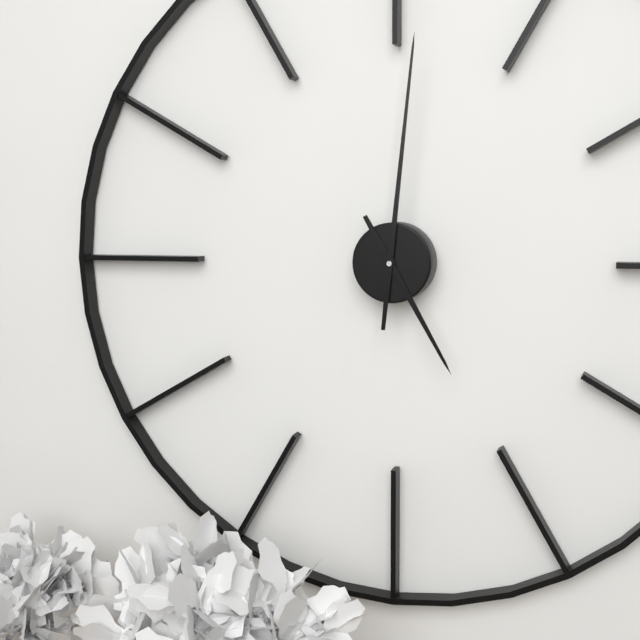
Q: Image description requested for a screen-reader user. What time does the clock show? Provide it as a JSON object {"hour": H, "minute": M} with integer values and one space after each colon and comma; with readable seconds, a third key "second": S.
{"hour": 5, "minute": 1}
